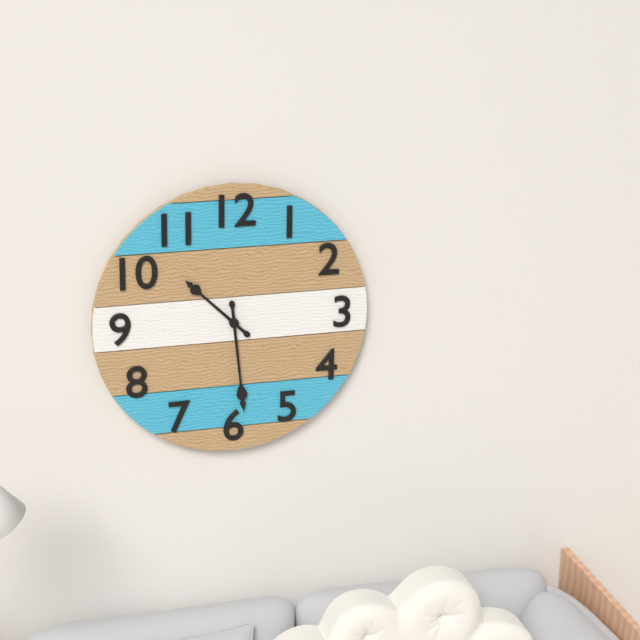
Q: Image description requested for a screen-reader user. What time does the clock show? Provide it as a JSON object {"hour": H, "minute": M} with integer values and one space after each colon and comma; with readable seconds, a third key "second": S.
{"hour": 10, "minute": 29}
